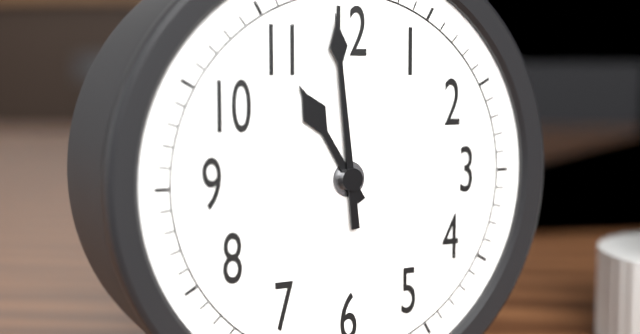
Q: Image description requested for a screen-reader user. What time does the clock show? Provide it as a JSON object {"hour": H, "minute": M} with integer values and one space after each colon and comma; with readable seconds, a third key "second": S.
{"hour": 10, "minute": 59}
